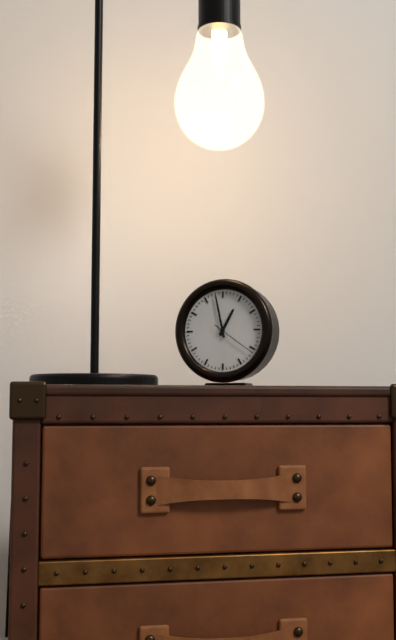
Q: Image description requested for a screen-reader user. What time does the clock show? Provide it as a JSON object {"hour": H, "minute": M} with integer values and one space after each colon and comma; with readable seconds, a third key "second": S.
{"hour": 12, "minute": 58}
